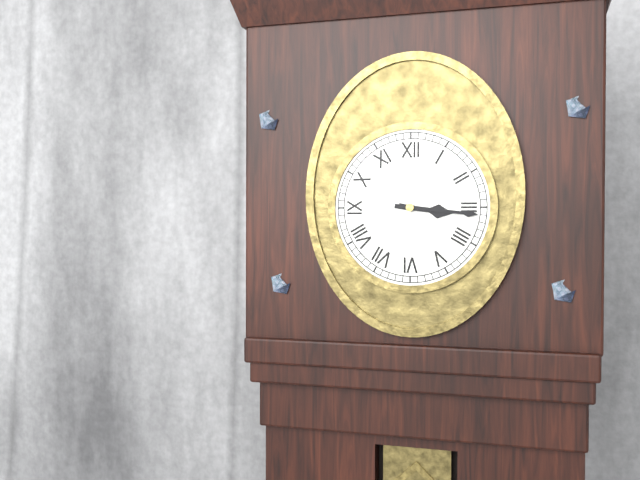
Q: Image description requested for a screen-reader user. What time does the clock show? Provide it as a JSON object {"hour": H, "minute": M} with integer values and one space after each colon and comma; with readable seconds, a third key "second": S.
{"hour": 3, "minute": 16}
